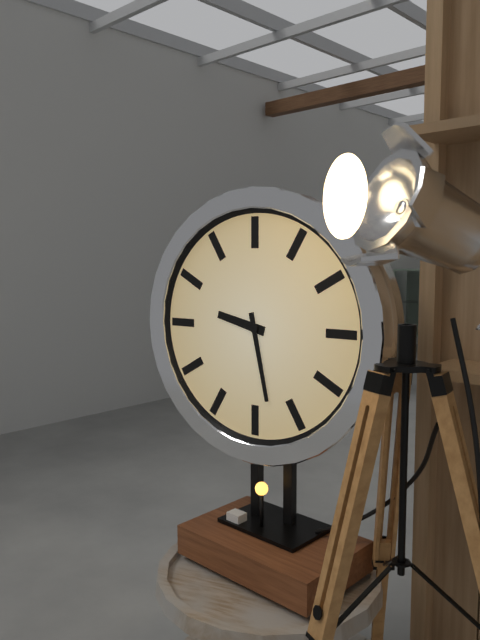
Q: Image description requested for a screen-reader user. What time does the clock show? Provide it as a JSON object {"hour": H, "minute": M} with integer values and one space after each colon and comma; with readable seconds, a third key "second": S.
{"hour": 9, "minute": 28}
